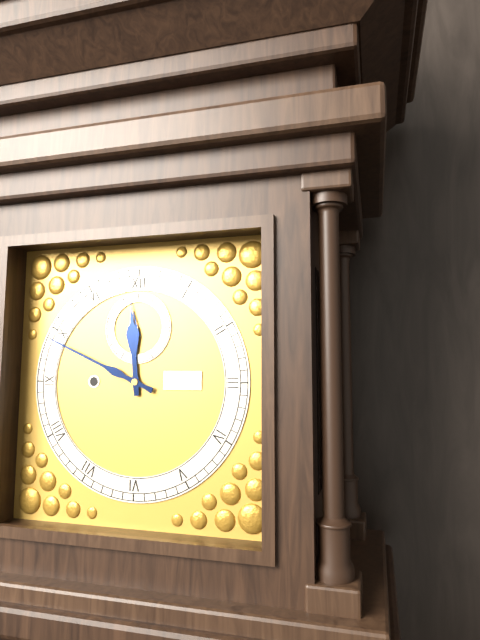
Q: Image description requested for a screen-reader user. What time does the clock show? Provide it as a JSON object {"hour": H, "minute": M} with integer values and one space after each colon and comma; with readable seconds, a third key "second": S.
{"hour": 11, "minute": 49}
